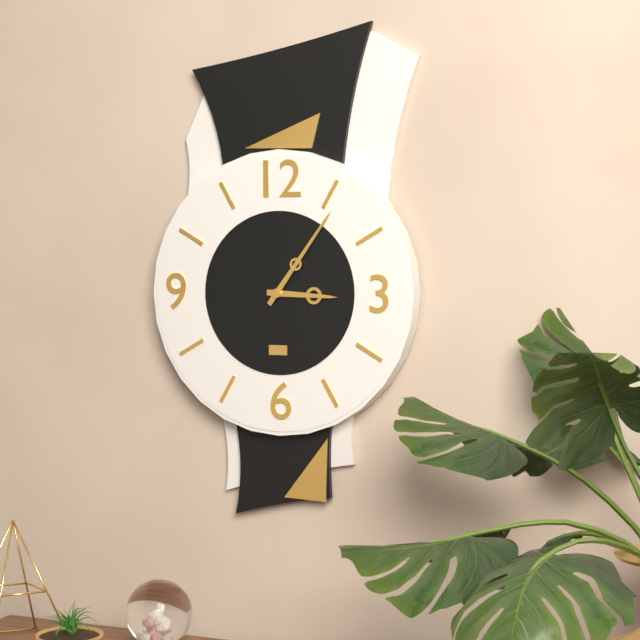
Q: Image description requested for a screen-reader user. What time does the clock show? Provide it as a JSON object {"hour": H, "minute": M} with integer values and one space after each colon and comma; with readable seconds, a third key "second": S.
{"hour": 3, "minute": 6}
